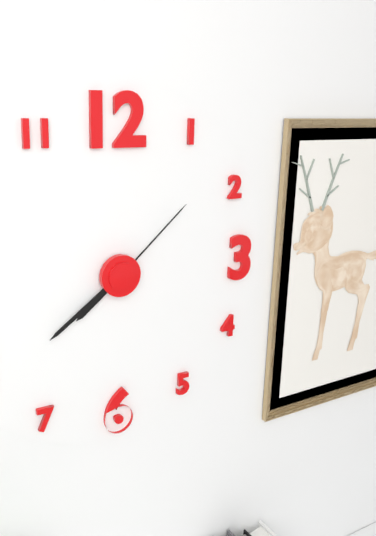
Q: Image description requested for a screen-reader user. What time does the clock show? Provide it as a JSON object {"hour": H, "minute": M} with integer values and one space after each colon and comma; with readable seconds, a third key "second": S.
{"hour": 7, "minute": 39, "second": 8}
